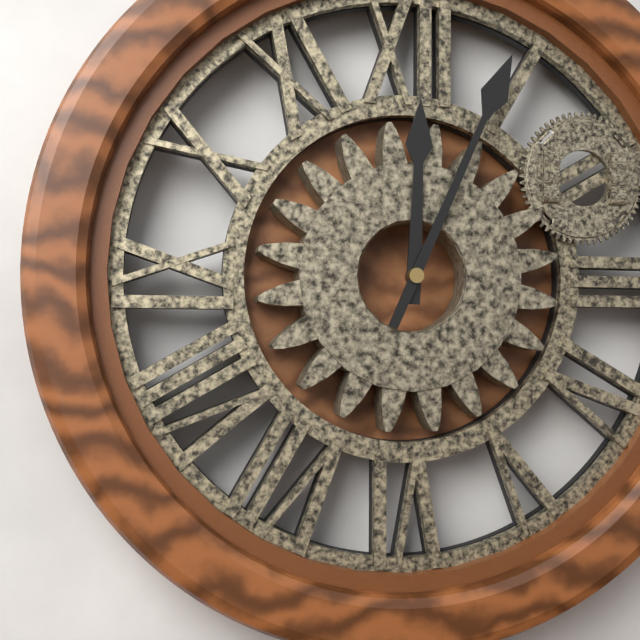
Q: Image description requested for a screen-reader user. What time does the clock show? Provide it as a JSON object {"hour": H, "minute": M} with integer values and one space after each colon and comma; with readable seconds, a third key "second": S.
{"hour": 12, "minute": 4}
